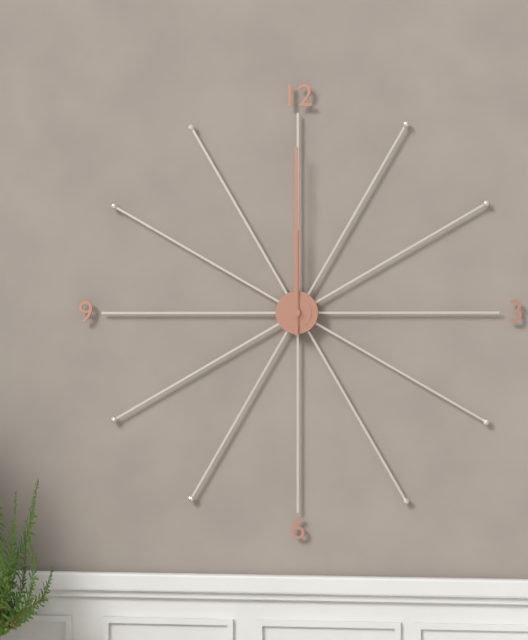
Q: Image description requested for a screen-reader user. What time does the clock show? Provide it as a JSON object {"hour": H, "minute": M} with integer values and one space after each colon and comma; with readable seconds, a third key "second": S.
{"hour": 12, "minute": 0}
